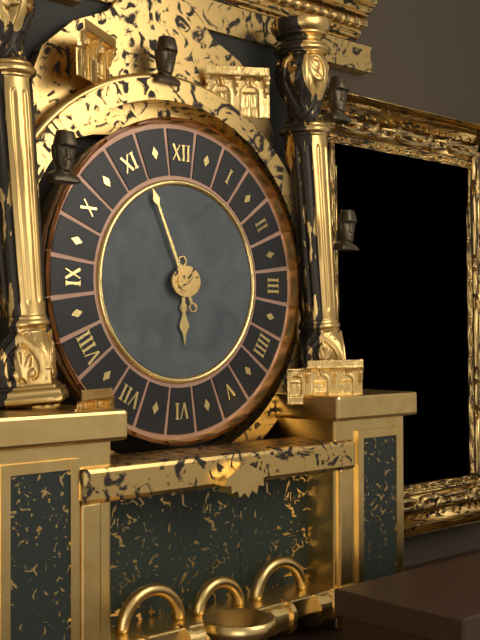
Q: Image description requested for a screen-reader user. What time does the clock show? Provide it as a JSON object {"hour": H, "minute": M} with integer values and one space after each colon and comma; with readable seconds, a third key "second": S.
{"hour": 5, "minute": 56}
